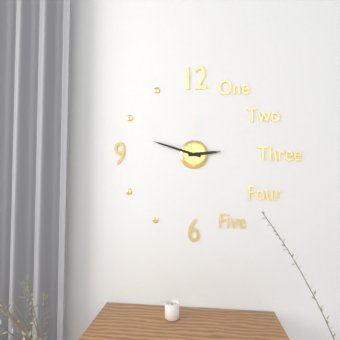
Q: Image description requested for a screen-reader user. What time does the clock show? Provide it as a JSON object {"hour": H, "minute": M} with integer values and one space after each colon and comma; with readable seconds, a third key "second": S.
{"hour": 2, "minute": 48, "second": 0}
